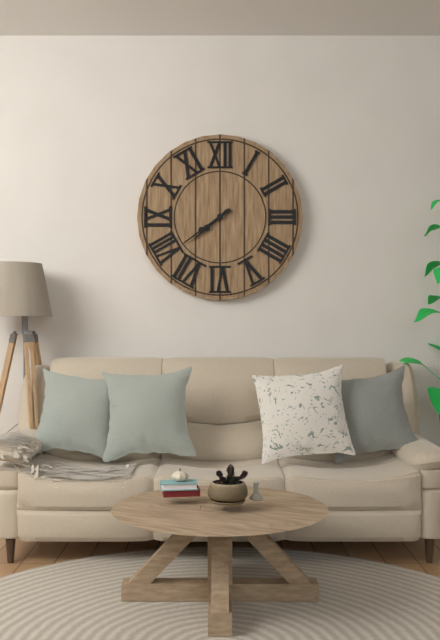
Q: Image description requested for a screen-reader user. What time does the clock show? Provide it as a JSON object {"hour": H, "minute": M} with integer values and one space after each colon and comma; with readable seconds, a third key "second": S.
{"hour": 7, "minute": 39}
